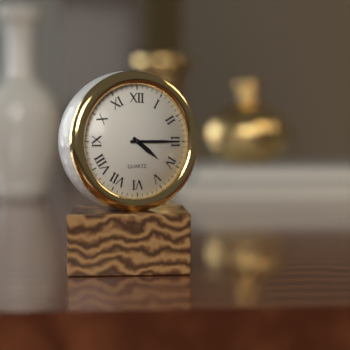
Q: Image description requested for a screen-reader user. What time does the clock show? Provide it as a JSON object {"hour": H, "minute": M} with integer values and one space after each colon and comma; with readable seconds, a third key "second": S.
{"hour": 4, "minute": 15}
